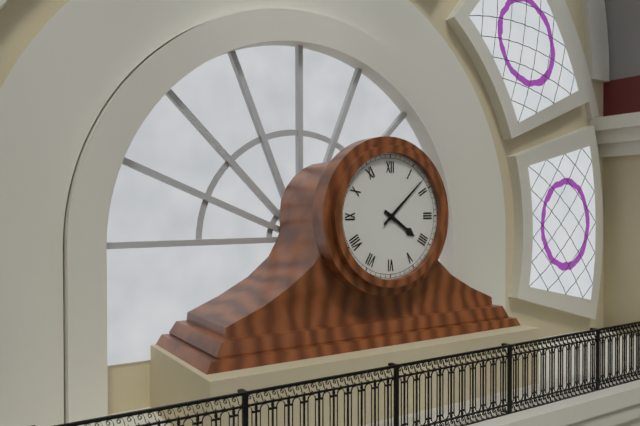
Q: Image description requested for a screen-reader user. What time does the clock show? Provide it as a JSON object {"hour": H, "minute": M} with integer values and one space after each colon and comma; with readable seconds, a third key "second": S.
{"hour": 4, "minute": 8}
